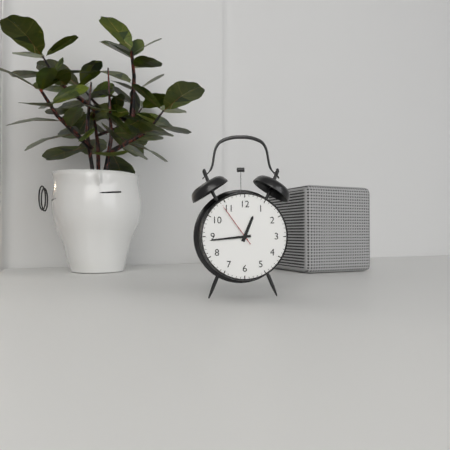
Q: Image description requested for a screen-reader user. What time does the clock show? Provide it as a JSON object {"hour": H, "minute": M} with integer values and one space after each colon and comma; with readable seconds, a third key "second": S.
{"hour": 12, "minute": 44}
